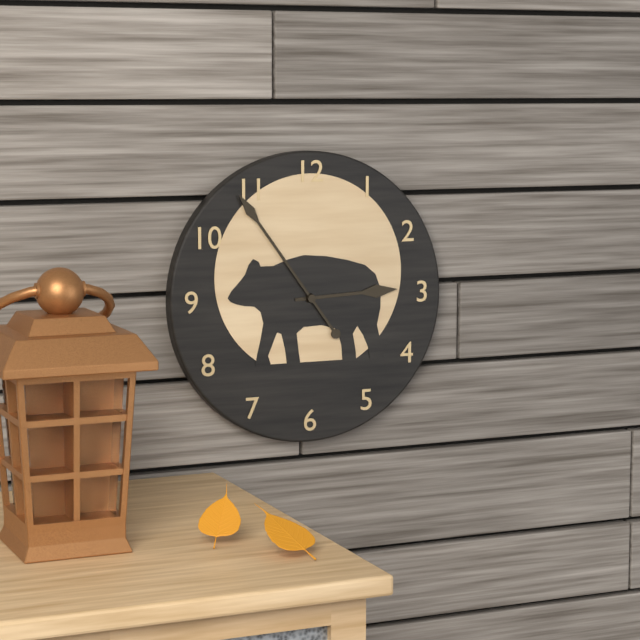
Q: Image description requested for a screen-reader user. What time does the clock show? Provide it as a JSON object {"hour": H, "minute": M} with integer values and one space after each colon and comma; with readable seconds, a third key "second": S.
{"hour": 2, "minute": 54}
